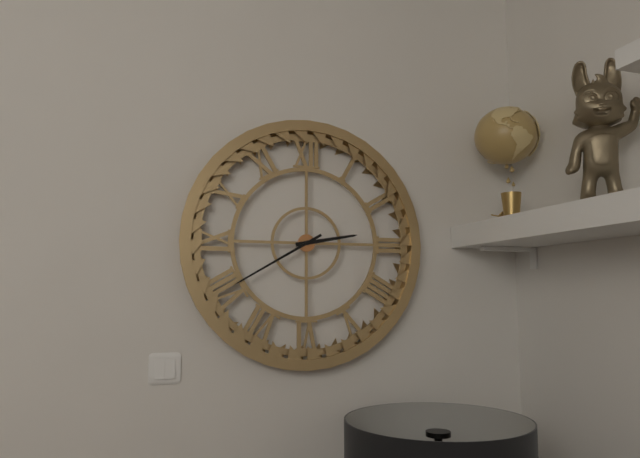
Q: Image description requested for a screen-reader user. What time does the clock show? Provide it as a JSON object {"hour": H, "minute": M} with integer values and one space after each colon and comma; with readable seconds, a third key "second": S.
{"hour": 2, "minute": 40}
